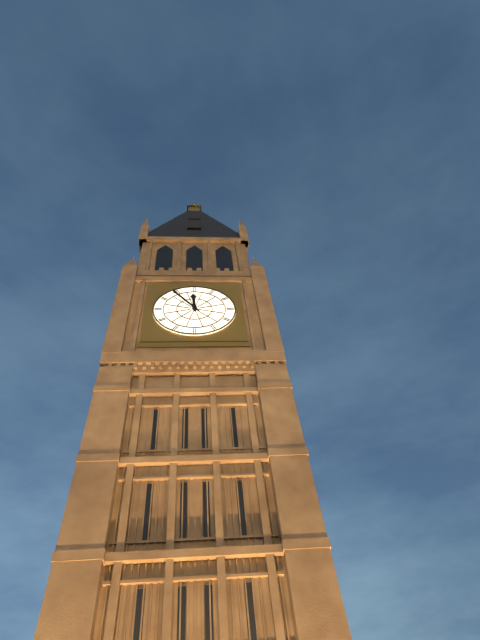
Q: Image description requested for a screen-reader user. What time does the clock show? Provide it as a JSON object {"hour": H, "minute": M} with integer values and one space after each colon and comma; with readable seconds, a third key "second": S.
{"hour": 11, "minute": 54}
